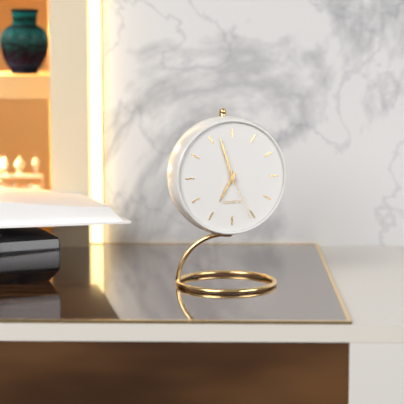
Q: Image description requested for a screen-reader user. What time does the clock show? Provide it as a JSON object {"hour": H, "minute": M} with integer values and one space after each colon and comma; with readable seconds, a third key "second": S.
{"hour": 6, "minute": 57, "second": 26}
